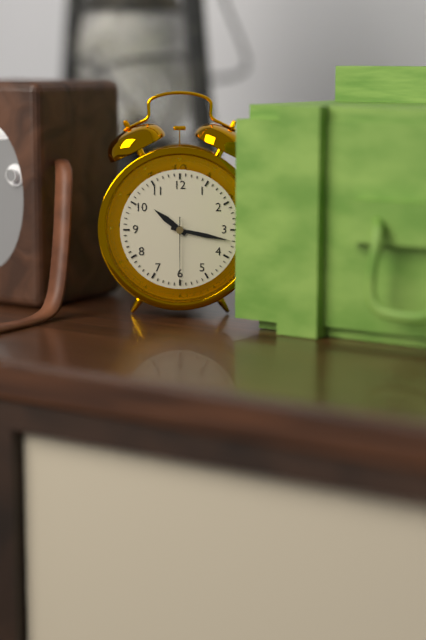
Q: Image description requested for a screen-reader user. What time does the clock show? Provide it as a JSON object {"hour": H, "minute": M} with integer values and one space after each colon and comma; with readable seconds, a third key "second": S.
{"hour": 10, "minute": 17, "second": 30}
